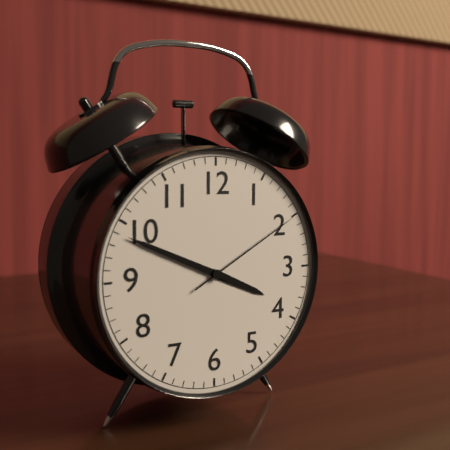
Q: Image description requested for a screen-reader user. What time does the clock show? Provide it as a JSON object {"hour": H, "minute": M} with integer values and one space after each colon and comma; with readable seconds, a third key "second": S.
{"hour": 3, "minute": 49, "second": 10}
